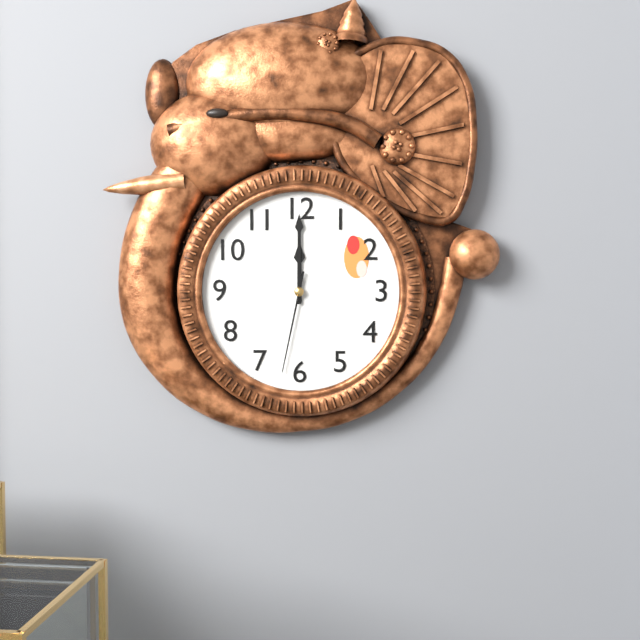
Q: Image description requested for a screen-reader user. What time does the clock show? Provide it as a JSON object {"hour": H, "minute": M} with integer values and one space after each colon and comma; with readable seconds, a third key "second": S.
{"hour": 12, "minute": 0, "second": 32}
